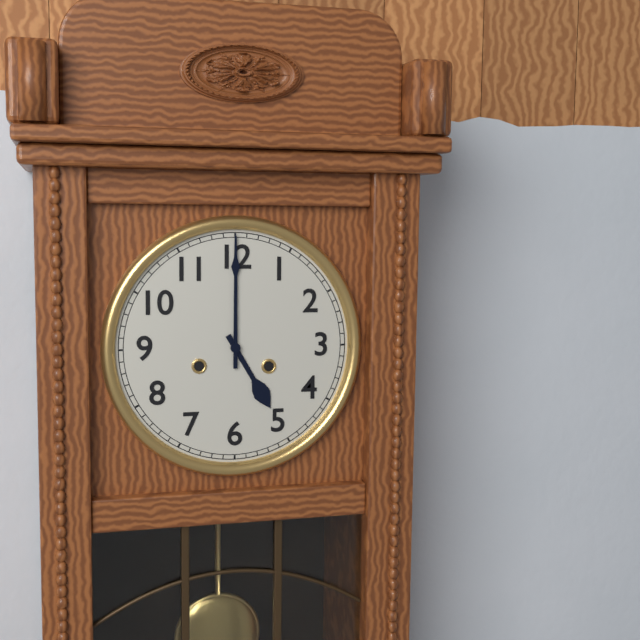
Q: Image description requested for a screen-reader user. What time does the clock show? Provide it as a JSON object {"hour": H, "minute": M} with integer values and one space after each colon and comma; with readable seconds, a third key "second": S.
{"hour": 5, "minute": 0}
